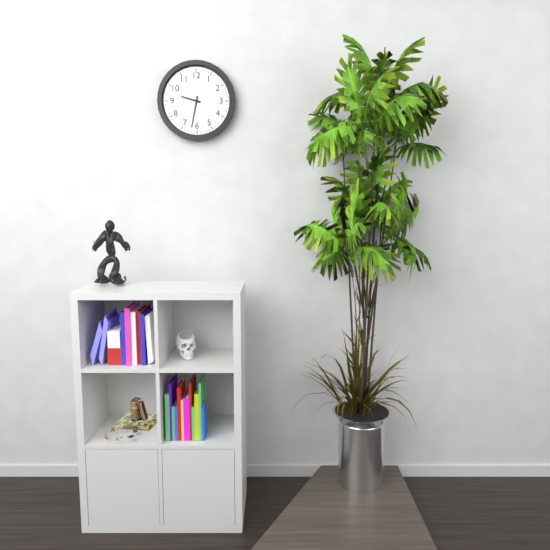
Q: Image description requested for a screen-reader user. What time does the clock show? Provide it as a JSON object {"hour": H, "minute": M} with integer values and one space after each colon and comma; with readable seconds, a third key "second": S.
{"hour": 9, "minute": 32}
